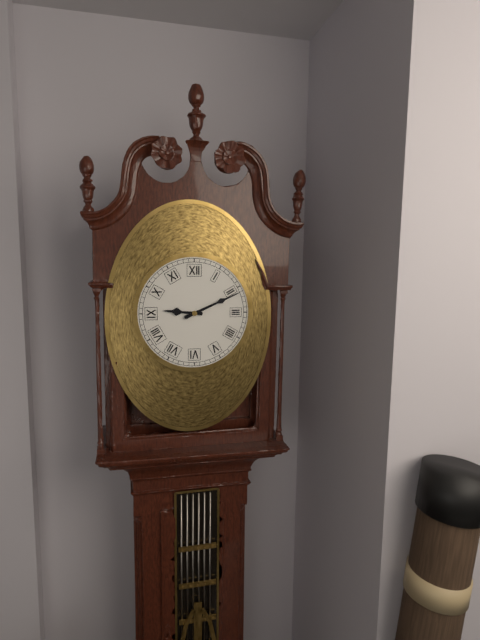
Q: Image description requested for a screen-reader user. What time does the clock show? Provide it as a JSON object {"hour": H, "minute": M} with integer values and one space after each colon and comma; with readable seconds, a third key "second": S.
{"hour": 9, "minute": 11}
